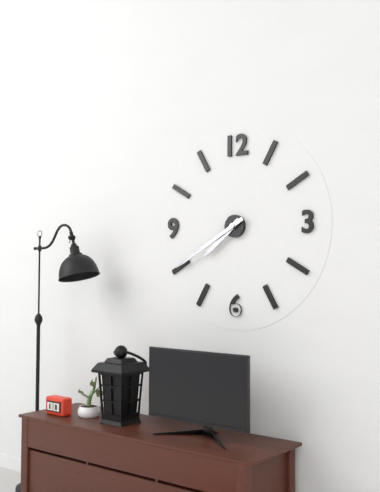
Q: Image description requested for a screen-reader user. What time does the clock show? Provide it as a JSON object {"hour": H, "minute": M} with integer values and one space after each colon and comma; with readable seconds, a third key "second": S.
{"hour": 7, "minute": 40}
